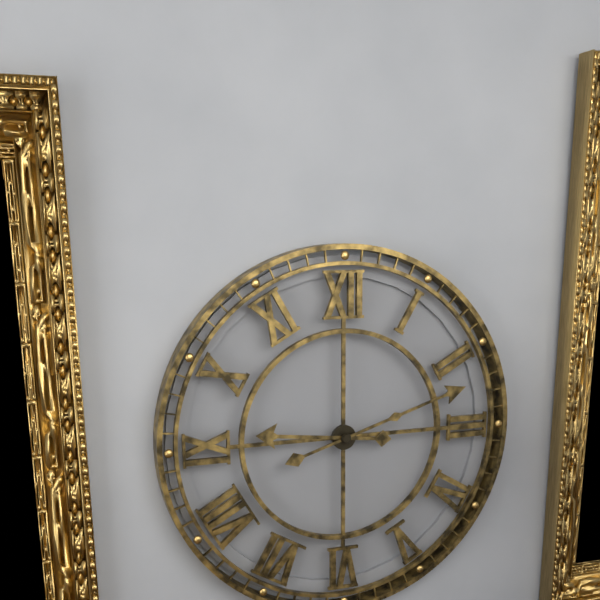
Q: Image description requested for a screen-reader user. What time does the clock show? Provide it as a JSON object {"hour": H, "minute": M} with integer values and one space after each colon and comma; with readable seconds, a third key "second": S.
{"hour": 9, "minute": 12}
